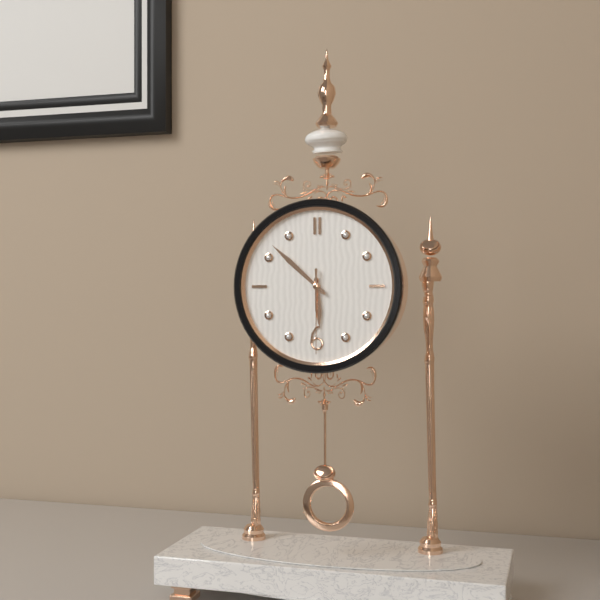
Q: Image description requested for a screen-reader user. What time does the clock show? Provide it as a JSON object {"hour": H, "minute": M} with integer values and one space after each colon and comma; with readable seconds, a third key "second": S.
{"hour": 5, "minute": 52, "second": 30}
